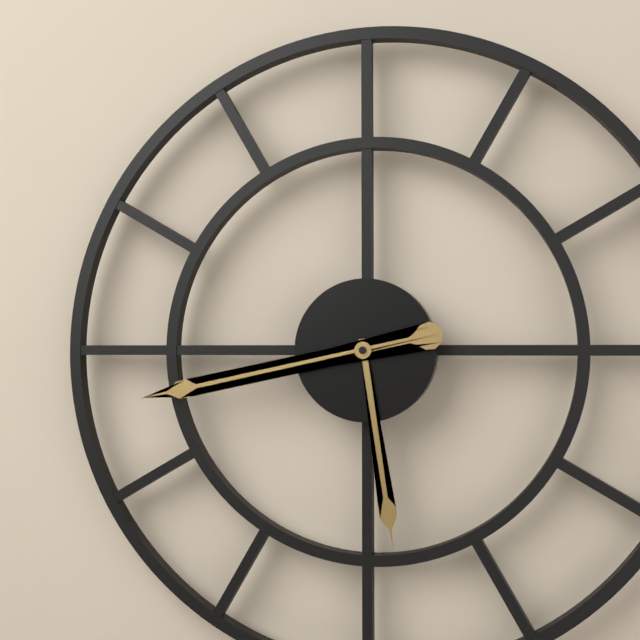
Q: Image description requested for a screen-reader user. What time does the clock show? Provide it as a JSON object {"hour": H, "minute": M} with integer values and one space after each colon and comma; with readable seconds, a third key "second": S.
{"hour": 5, "minute": 43}
